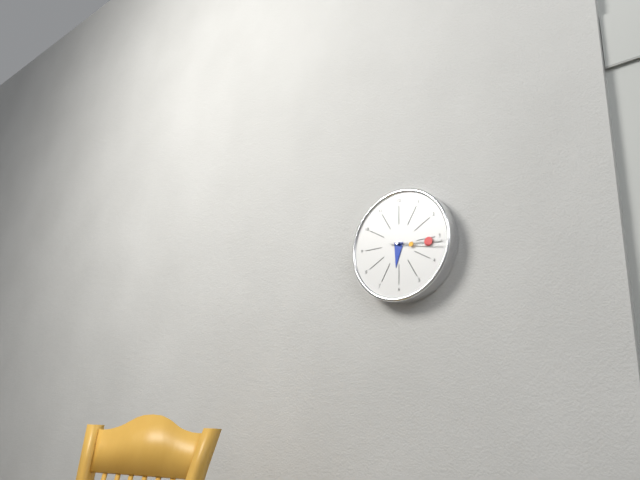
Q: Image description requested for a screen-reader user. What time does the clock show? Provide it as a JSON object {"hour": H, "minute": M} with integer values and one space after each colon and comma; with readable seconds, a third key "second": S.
{"hour": 6, "minute": 16, "second": 17}
